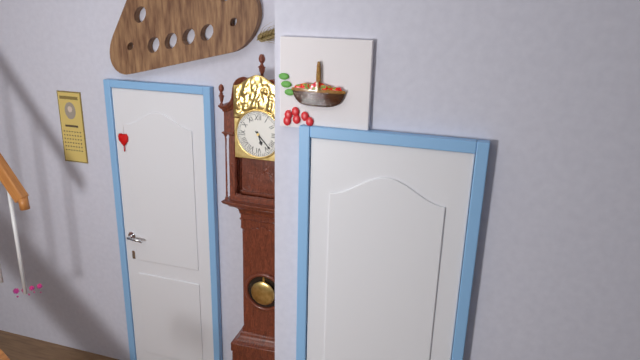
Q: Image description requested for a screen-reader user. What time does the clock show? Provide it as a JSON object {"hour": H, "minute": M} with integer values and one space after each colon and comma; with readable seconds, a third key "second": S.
{"hour": 5, "minute": 23}
